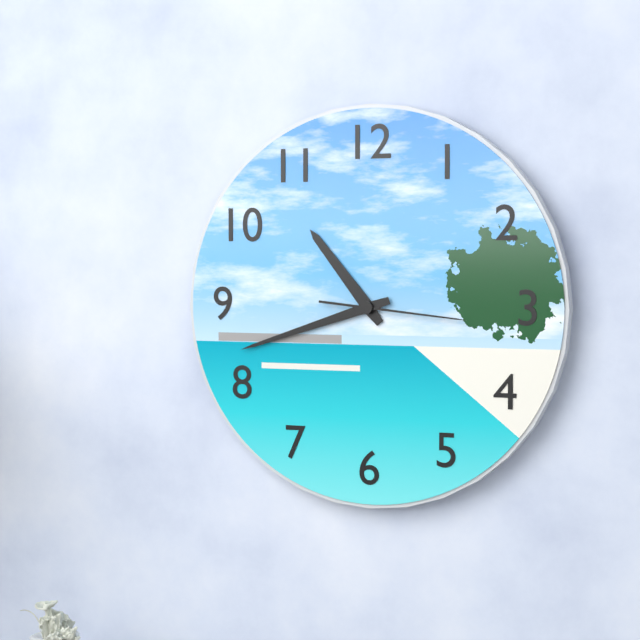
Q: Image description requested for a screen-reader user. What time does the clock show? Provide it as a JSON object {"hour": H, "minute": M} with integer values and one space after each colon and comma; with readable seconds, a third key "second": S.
{"hour": 10, "minute": 42, "second": 16}
